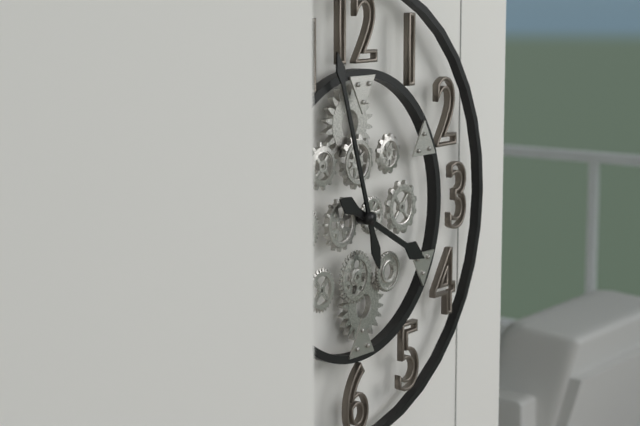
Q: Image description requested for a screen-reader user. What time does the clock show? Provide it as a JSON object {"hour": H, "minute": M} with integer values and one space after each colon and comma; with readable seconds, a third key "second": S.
{"hour": 3, "minute": 57}
